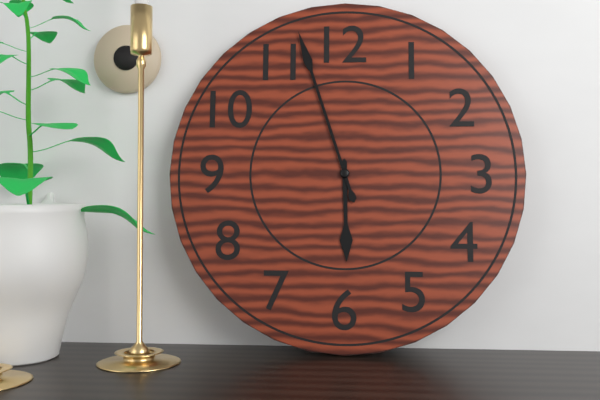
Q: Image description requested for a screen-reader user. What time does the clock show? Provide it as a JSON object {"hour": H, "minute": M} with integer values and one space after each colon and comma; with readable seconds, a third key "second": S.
{"hour": 5, "minute": 57}
